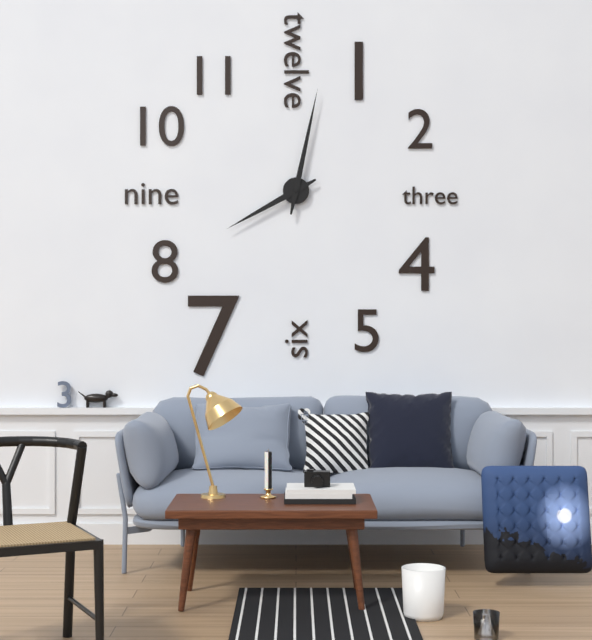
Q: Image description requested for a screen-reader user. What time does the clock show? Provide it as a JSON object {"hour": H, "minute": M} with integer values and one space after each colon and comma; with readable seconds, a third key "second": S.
{"hour": 8, "minute": 2}
